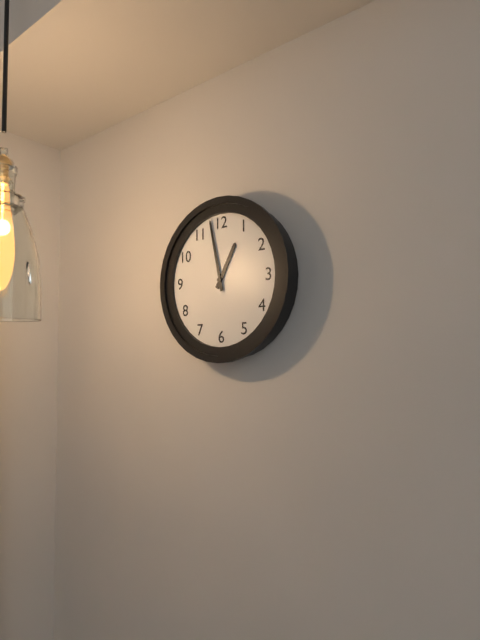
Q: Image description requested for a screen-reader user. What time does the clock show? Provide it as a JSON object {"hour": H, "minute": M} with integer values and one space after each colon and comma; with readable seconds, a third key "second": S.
{"hour": 12, "minute": 58}
